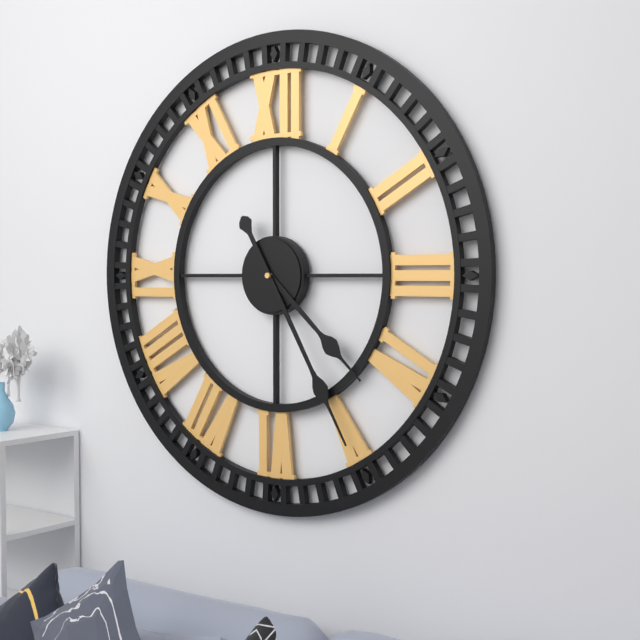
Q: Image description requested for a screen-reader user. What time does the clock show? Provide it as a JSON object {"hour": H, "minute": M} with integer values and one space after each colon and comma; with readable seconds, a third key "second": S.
{"hour": 4, "minute": 25}
